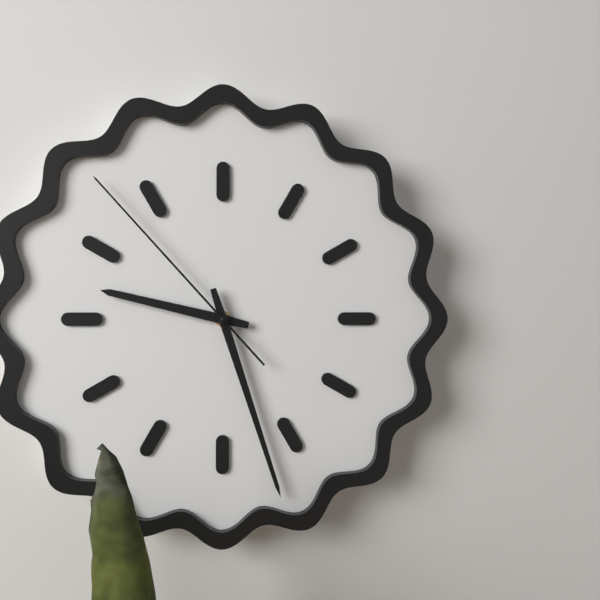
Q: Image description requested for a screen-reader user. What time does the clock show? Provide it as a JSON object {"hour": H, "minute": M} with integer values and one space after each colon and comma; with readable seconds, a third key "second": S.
{"hour": 9, "minute": 27, "second": 53}
